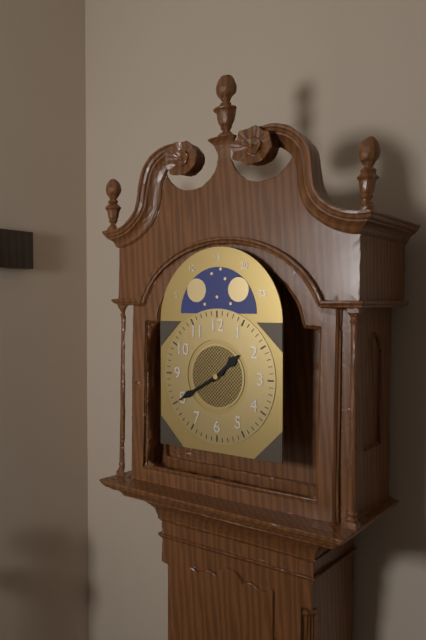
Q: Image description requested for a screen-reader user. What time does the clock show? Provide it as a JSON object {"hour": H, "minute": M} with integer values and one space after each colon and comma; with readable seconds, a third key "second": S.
{"hour": 1, "minute": 40}
